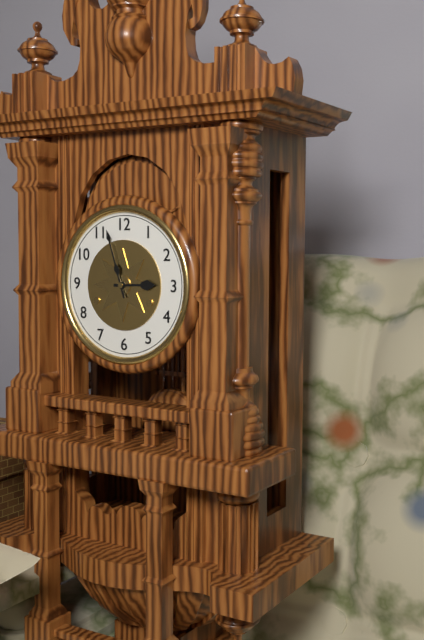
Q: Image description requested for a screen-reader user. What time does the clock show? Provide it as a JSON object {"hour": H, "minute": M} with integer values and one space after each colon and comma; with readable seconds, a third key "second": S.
{"hour": 2, "minute": 57}
